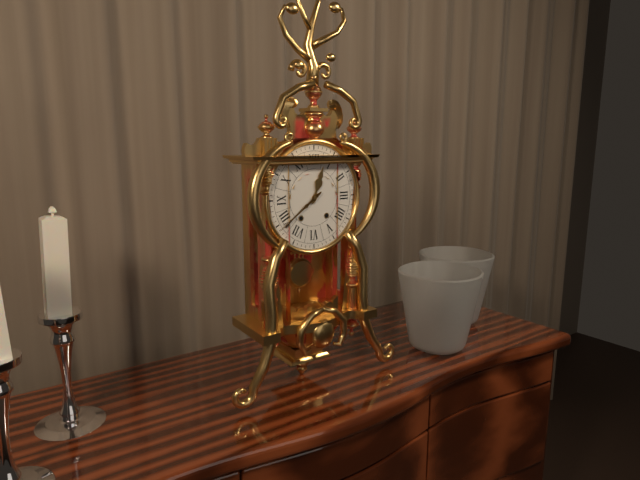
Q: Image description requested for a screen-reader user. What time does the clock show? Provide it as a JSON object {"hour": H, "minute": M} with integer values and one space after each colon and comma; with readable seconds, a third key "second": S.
{"hour": 12, "minute": 39}
